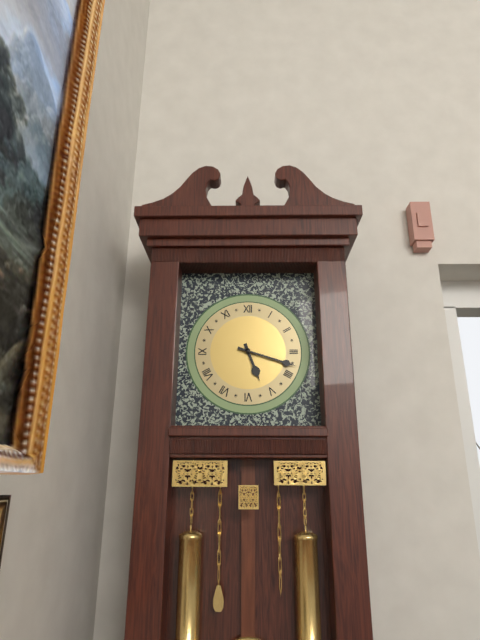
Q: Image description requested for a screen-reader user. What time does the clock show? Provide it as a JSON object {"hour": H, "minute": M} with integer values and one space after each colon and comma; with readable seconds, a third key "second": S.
{"hour": 5, "minute": 18}
